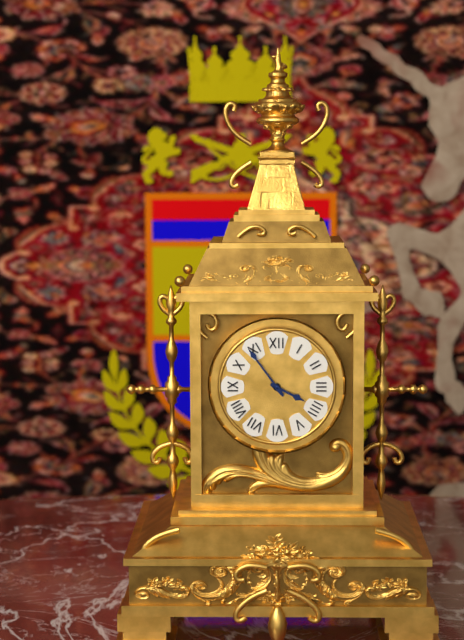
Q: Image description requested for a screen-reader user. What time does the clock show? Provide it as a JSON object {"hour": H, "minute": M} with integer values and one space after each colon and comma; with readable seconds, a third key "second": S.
{"hour": 3, "minute": 54}
